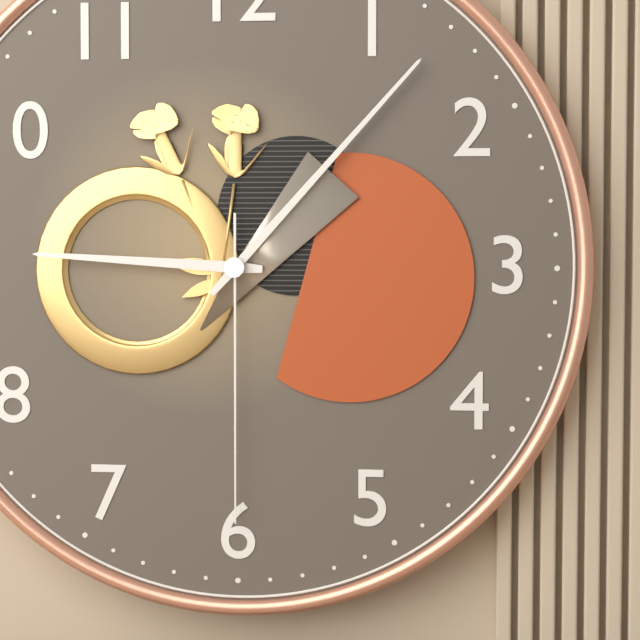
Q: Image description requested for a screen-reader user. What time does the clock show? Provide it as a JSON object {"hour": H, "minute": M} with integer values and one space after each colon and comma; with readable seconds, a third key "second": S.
{"hour": 9, "minute": 7, "second": 30}
